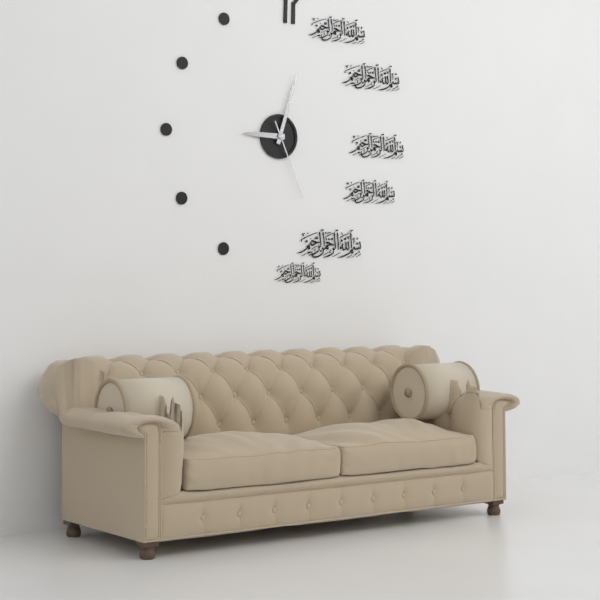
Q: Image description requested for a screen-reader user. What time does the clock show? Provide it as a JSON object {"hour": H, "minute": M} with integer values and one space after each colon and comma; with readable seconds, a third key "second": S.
{"hour": 9, "minute": 3, "second": 26}
